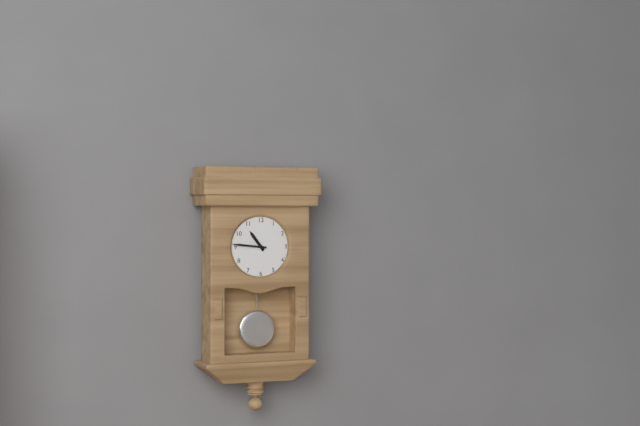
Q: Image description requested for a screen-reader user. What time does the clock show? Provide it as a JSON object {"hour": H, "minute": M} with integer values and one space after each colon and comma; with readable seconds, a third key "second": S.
{"hour": 10, "minute": 46}
